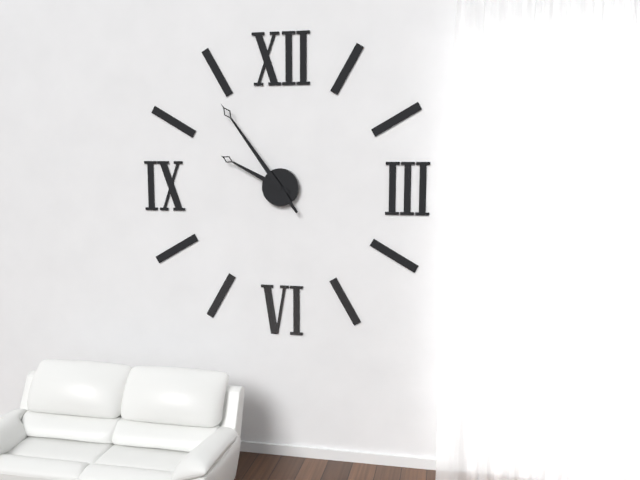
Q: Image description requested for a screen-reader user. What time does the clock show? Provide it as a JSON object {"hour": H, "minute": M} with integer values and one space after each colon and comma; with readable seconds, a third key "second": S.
{"hour": 9, "minute": 54}
